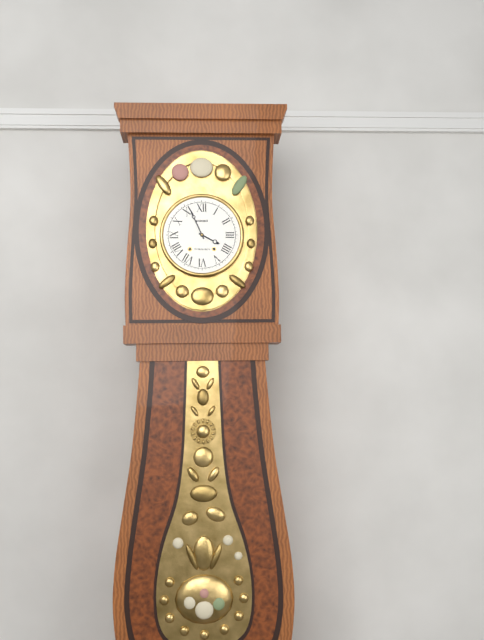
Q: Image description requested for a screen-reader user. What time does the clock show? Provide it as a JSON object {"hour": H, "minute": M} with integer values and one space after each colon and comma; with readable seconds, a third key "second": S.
{"hour": 3, "minute": 56}
